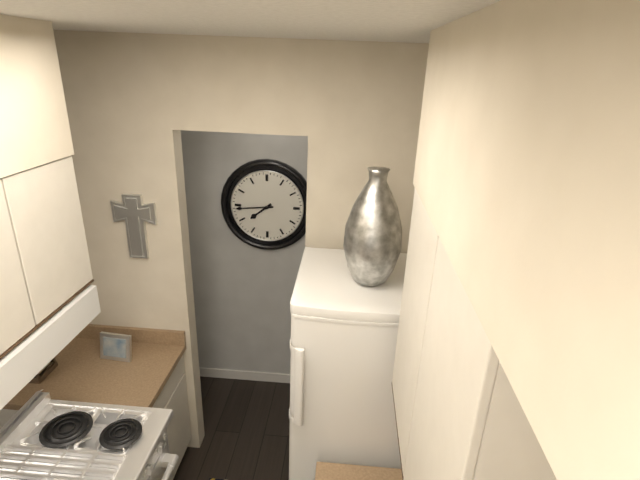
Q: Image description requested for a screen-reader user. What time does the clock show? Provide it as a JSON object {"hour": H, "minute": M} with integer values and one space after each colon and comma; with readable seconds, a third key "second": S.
{"hour": 7, "minute": 44}
